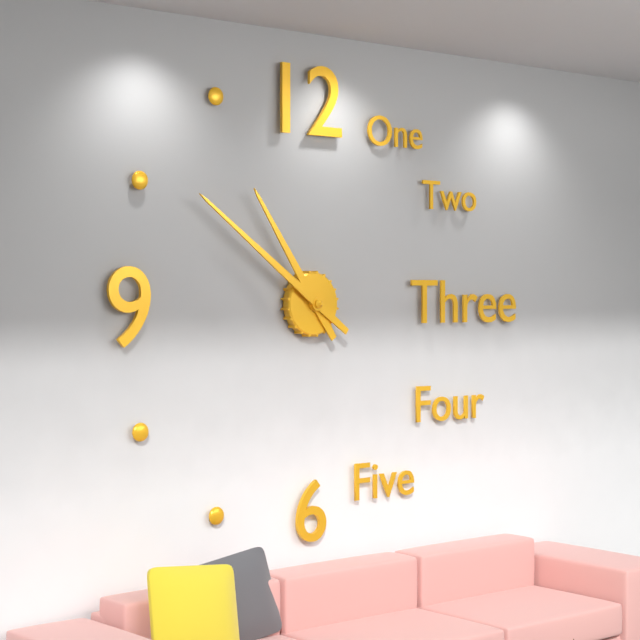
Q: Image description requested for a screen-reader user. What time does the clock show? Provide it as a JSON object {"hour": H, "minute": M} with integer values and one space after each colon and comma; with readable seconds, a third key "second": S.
{"hour": 10, "minute": 51}
